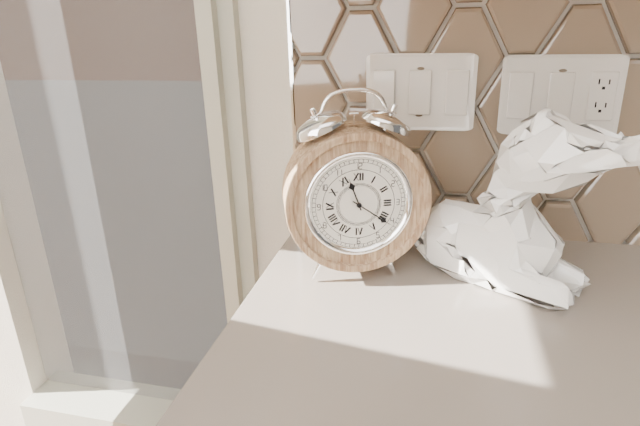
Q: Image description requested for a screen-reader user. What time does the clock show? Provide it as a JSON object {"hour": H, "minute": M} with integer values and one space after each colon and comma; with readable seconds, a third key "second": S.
{"hour": 11, "minute": 21}
